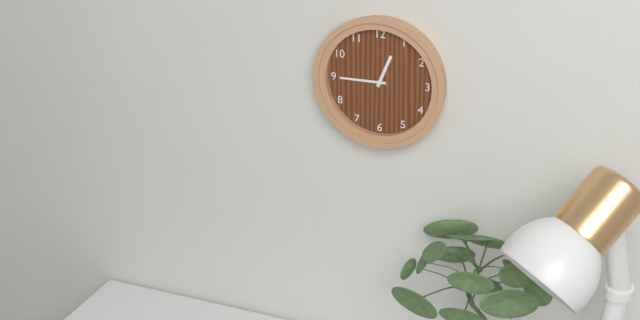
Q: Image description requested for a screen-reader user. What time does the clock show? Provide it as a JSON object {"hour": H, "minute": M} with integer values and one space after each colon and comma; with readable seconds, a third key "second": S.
{"hour": 12, "minute": 45}
